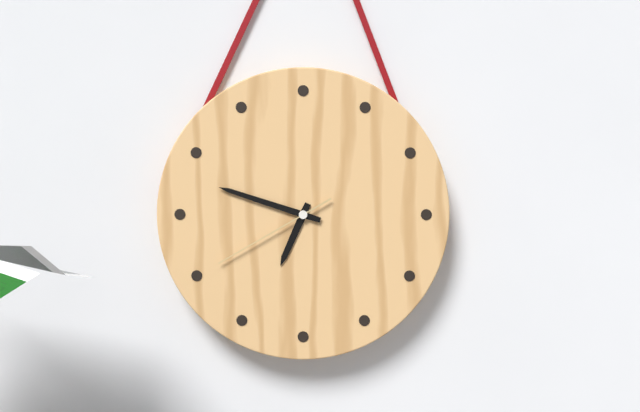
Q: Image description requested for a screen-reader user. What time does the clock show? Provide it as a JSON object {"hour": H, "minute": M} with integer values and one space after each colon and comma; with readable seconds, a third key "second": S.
{"hour": 6, "minute": 48, "second": 40}
